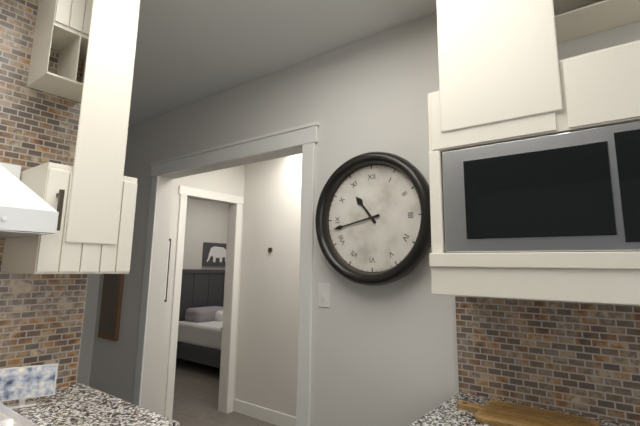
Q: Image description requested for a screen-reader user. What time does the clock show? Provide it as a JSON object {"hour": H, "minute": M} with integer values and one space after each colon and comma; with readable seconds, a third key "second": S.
{"hour": 10, "minute": 43}
